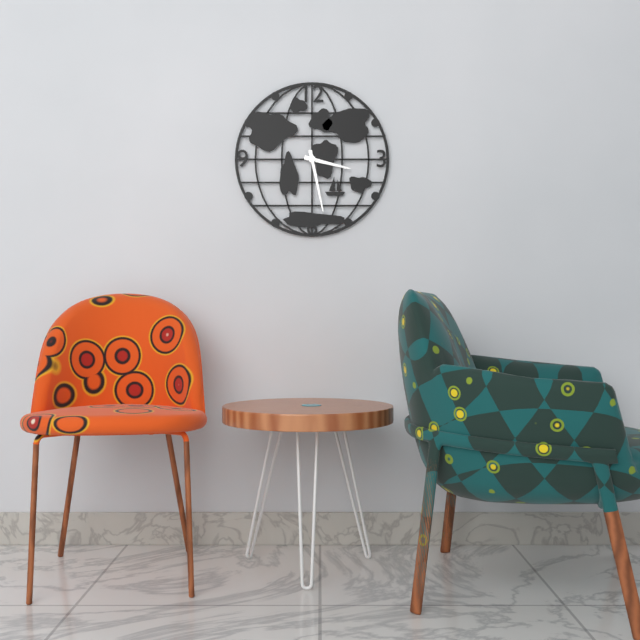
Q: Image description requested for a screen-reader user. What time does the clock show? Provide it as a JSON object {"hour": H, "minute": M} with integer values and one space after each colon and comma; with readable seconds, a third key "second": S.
{"hour": 3, "minute": 28}
